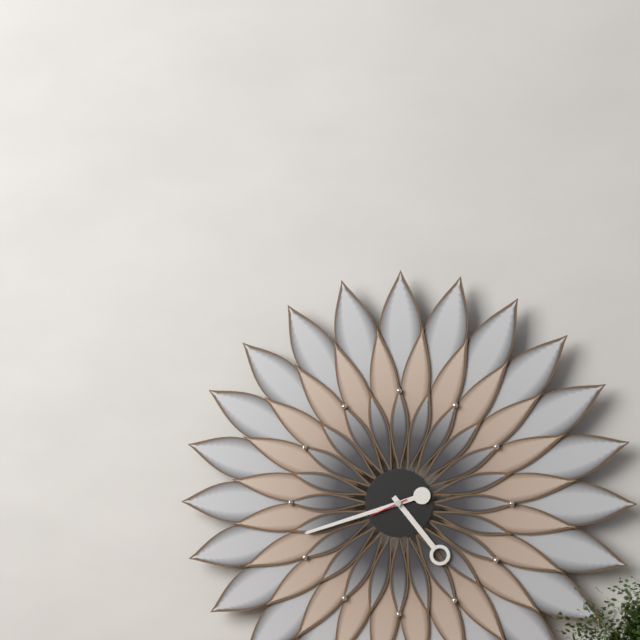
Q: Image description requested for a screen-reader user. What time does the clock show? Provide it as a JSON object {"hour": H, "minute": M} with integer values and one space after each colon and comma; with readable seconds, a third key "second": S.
{"hour": 4, "minute": 42}
